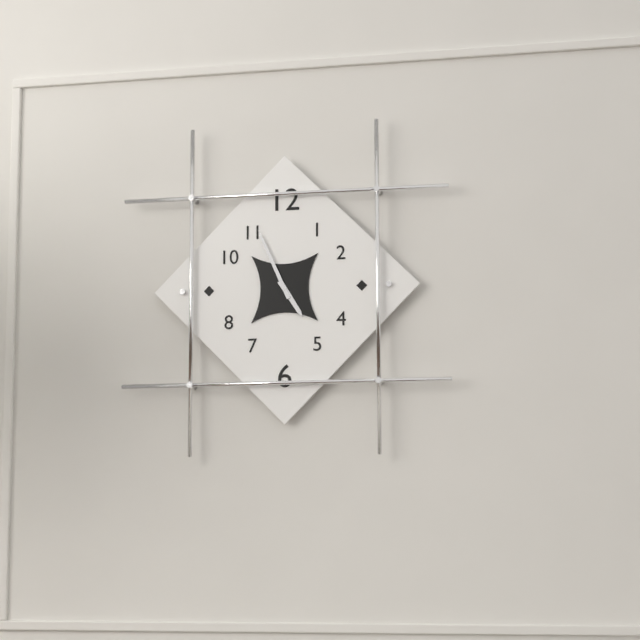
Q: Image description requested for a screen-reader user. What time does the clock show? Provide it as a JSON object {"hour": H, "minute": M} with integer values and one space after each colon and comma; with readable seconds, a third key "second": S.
{"hour": 4, "minute": 56}
